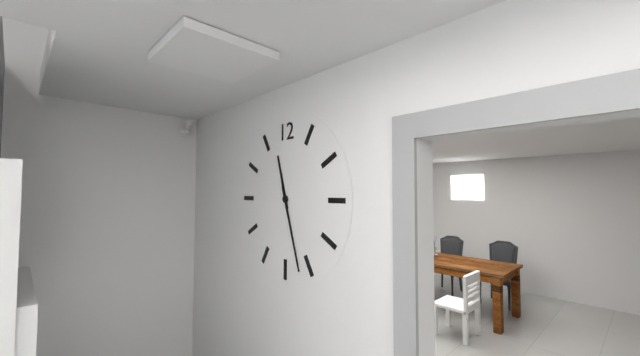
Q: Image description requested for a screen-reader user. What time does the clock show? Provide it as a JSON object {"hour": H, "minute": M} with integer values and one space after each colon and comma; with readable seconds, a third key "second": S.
{"hour": 11, "minute": 27}
